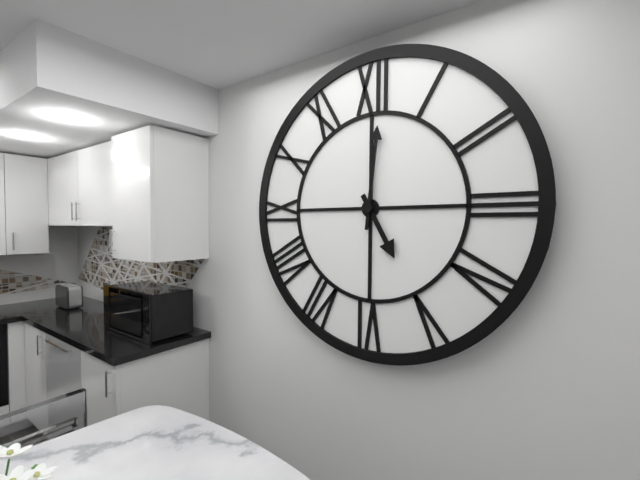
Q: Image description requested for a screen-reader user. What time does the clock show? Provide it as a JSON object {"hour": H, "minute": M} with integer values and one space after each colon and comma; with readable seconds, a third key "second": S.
{"hour": 5, "minute": 1}
